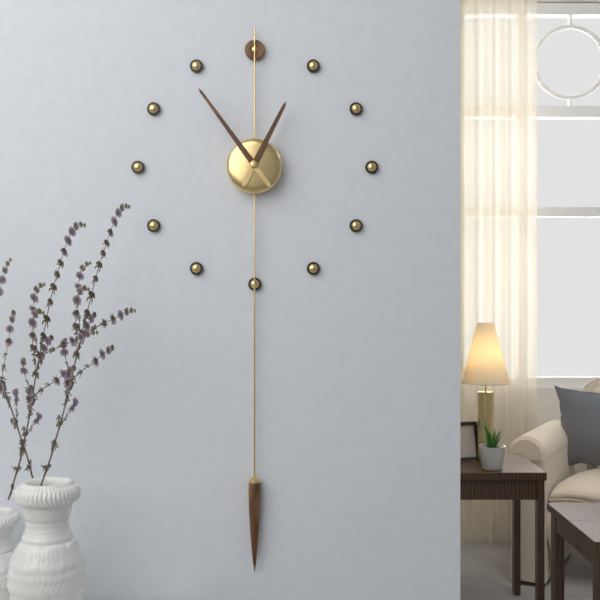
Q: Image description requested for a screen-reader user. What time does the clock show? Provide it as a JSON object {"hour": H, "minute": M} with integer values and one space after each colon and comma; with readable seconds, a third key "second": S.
{"hour": 12, "minute": 54}
